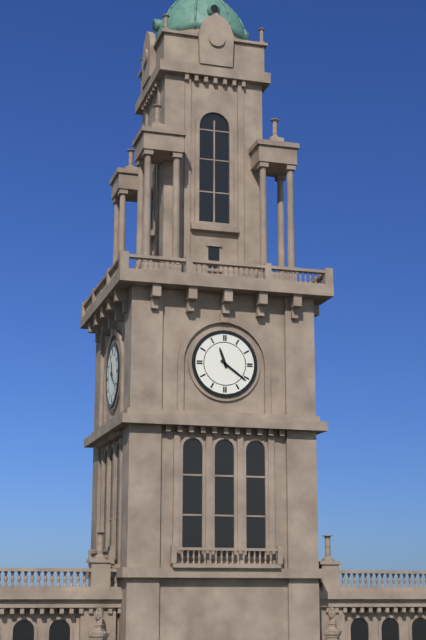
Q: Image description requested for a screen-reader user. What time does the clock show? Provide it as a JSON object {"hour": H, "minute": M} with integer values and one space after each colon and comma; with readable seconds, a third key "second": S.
{"hour": 11, "minute": 21}
